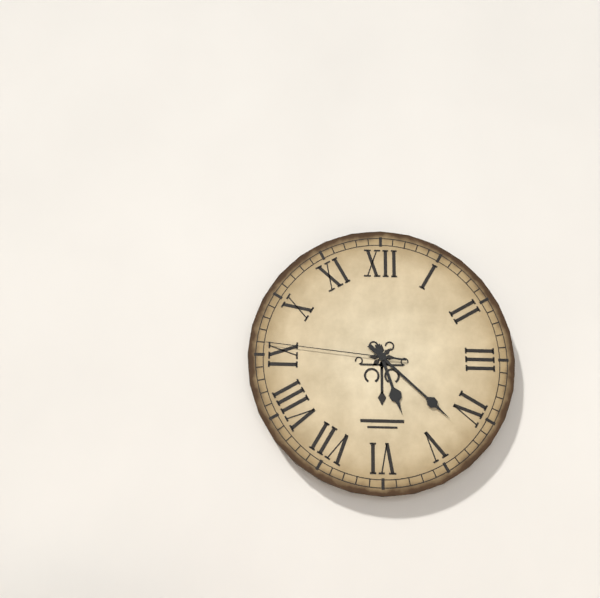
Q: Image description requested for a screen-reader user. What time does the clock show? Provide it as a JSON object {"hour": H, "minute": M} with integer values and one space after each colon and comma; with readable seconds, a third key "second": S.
{"hour": 5, "minute": 22, "second": 46}
